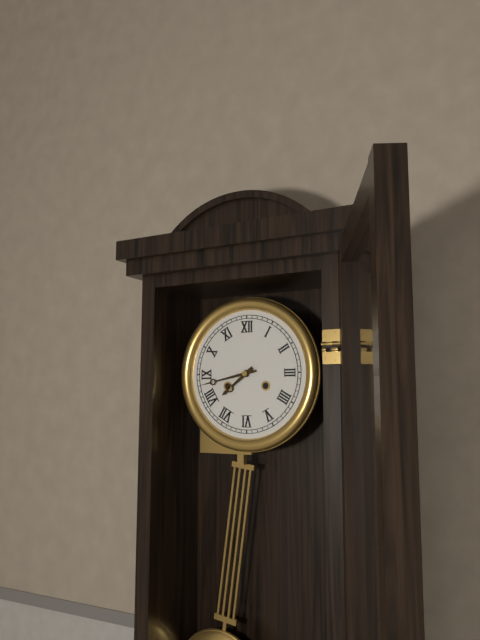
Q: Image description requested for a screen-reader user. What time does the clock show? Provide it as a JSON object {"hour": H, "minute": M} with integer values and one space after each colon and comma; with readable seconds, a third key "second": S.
{"hour": 7, "minute": 43}
